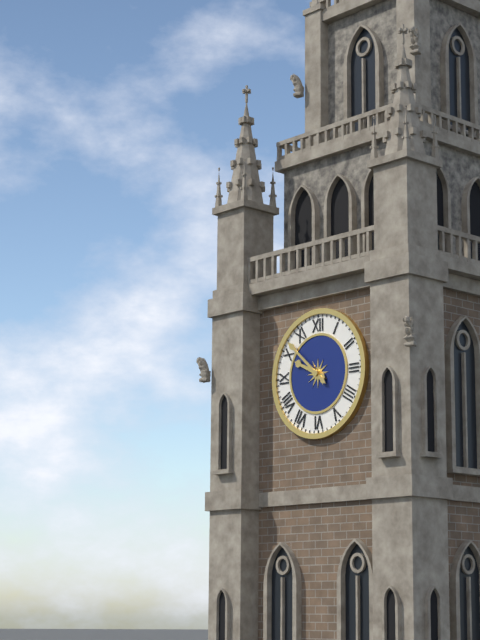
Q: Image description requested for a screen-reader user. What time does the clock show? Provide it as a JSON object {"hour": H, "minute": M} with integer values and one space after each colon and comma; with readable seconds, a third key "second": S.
{"hour": 9, "minute": 52}
